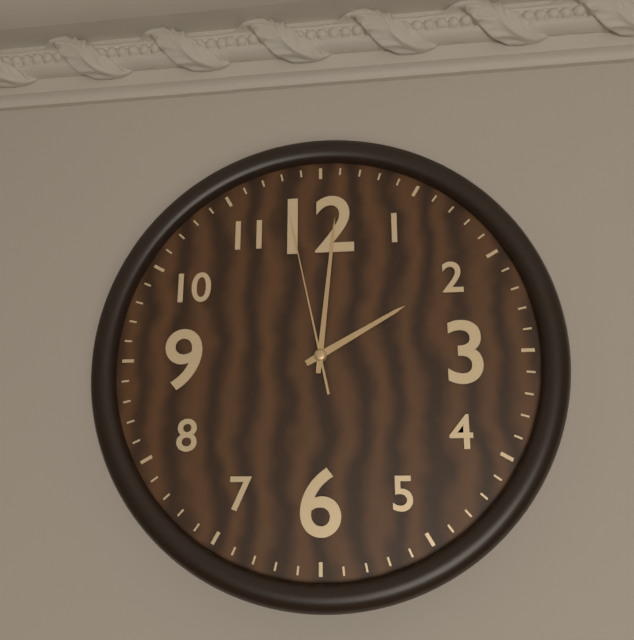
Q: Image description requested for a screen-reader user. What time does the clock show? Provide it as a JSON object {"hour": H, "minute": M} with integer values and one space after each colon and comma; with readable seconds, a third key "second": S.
{"hour": 2, "minute": 1, "second": 58}
